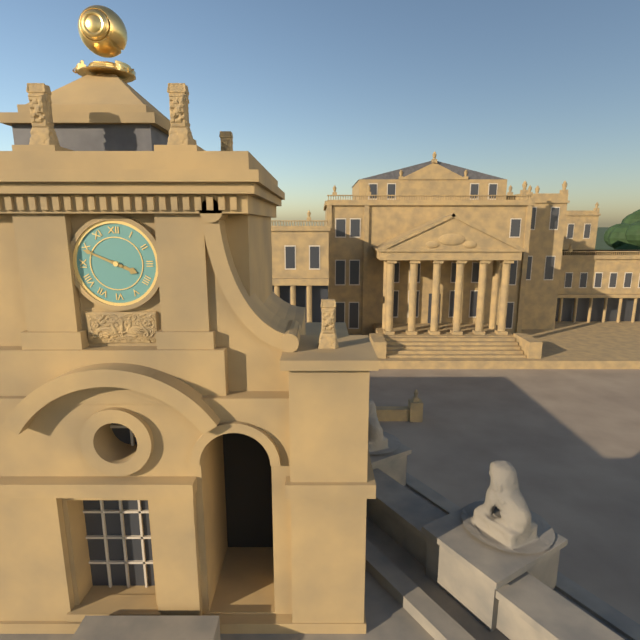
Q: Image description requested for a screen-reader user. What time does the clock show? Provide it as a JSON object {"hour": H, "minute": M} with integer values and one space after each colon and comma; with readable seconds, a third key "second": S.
{"hour": 3, "minute": 49}
